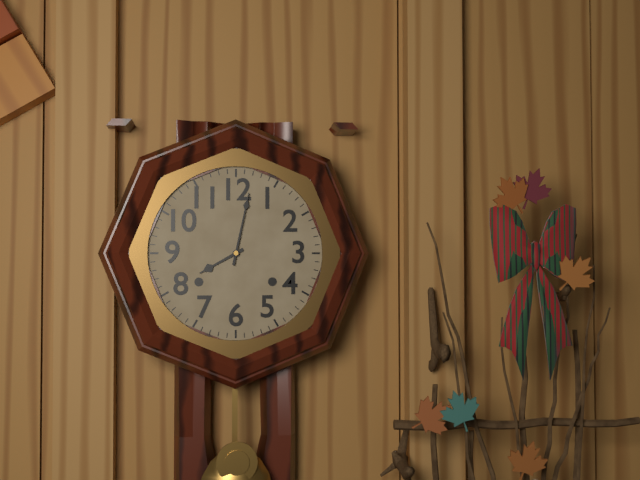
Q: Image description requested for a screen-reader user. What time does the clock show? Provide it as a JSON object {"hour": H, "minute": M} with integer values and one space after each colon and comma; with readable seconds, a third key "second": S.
{"hour": 8, "minute": 2}
